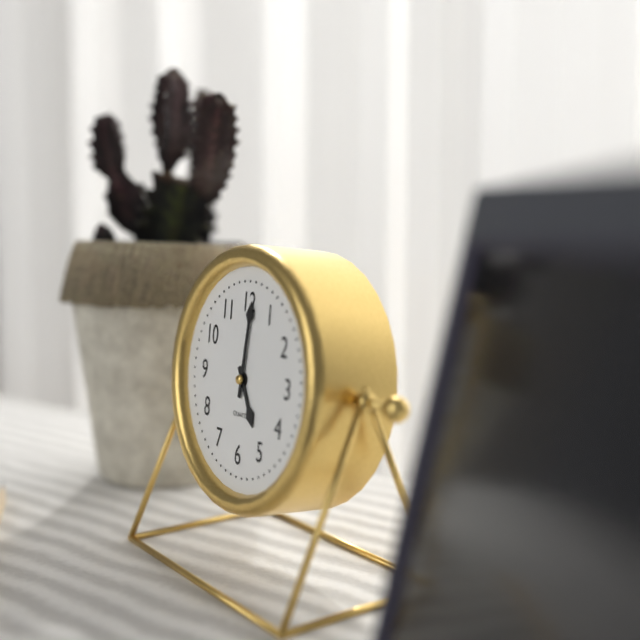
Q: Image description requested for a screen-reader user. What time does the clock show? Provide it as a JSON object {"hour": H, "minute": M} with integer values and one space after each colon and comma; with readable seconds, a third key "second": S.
{"hour": 5, "minute": 1}
